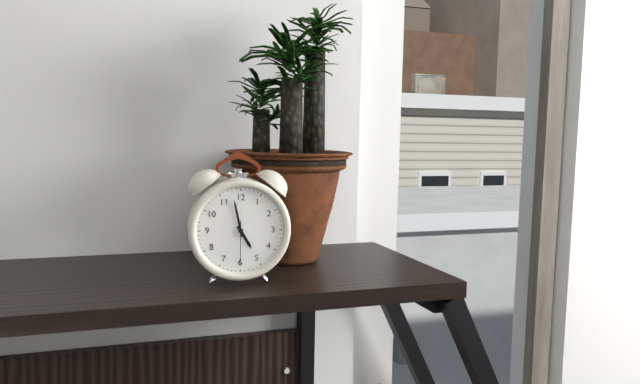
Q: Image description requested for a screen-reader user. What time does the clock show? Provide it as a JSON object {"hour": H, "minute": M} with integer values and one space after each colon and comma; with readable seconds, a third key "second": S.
{"hour": 4, "minute": 58}
